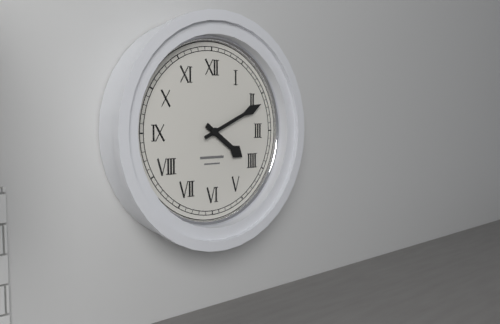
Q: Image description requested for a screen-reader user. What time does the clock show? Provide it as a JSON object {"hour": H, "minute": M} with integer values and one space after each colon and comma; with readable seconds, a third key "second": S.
{"hour": 4, "minute": 11}
